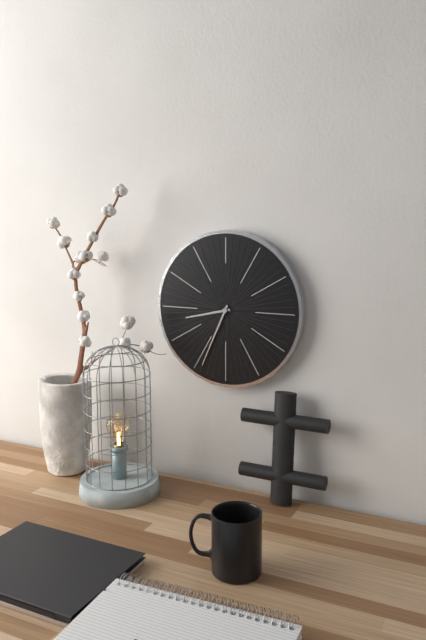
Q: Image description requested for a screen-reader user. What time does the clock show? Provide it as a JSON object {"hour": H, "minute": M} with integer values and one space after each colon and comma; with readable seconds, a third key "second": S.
{"hour": 8, "minute": 34}
